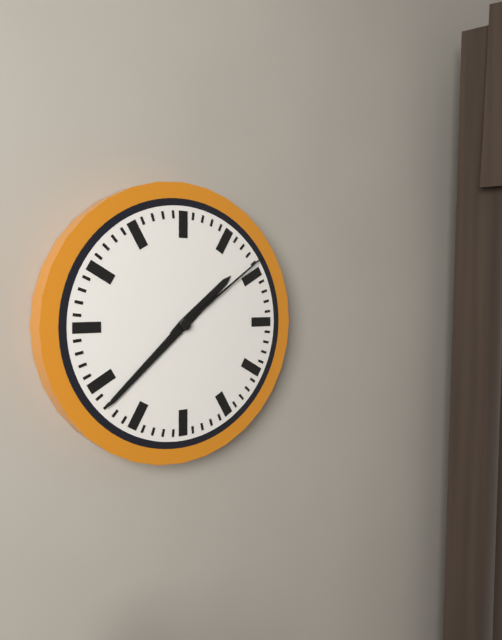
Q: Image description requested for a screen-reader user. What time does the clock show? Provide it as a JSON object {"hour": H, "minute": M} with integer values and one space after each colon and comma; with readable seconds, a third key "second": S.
{"hour": 1, "minute": 38, "second": 9}
